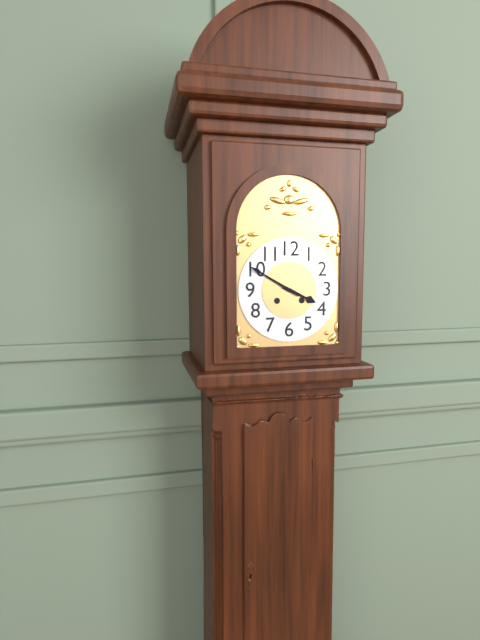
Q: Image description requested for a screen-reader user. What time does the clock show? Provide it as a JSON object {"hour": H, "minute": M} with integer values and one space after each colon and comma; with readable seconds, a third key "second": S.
{"hour": 3, "minute": 50}
